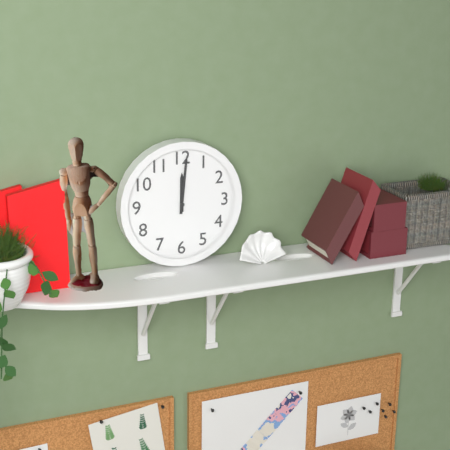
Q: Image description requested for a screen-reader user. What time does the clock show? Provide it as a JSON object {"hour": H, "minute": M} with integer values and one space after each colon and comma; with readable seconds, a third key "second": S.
{"hour": 12, "minute": 1}
